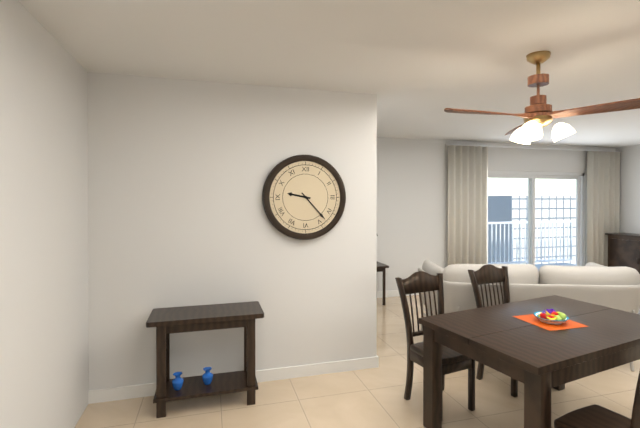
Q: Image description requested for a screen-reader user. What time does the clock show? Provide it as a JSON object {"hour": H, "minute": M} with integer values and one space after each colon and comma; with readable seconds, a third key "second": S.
{"hour": 9, "minute": 23}
